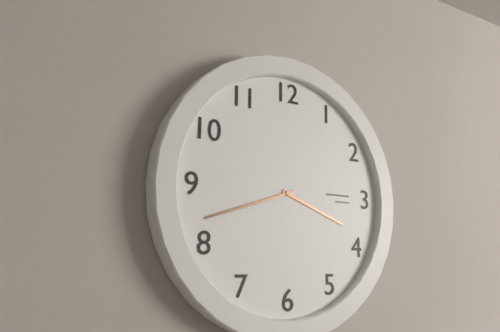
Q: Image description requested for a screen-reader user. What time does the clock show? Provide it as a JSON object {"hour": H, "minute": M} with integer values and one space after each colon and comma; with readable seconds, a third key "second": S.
{"hour": 3, "minute": 42}
